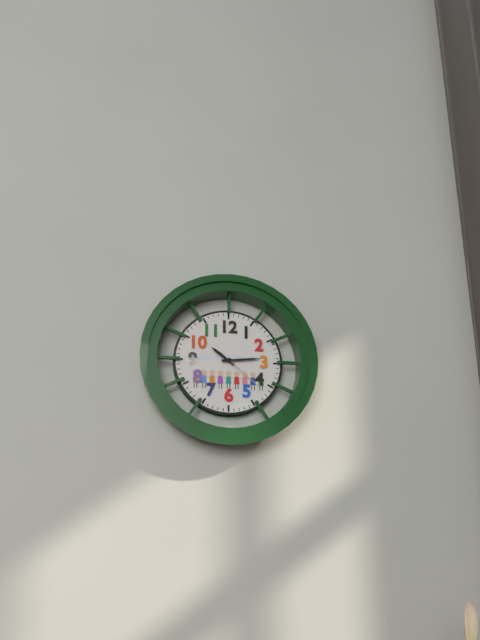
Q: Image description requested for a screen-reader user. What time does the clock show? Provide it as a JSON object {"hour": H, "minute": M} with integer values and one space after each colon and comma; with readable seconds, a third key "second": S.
{"hour": 10, "minute": 14, "second": 22}
